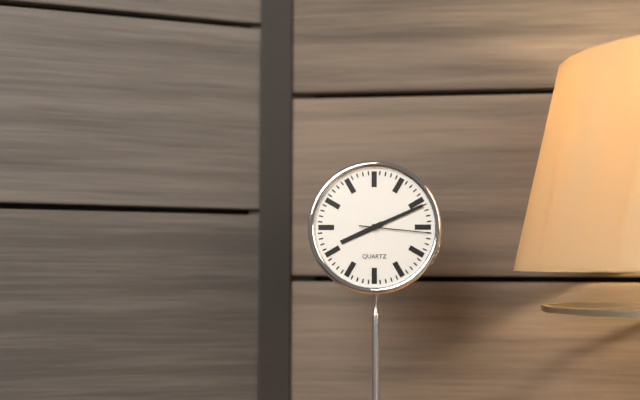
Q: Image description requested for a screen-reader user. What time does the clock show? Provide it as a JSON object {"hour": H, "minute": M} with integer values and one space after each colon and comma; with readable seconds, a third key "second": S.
{"hour": 8, "minute": 11, "second": 16}
